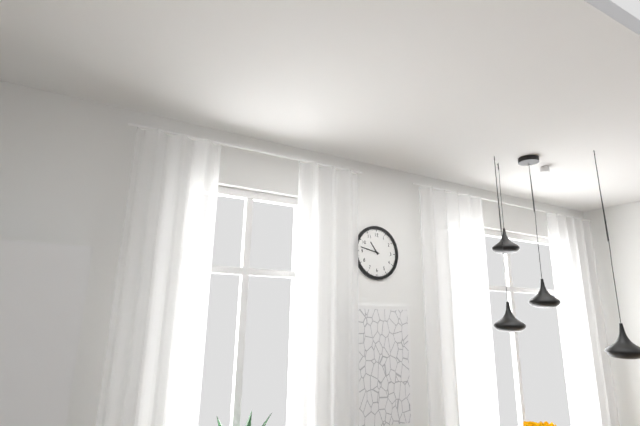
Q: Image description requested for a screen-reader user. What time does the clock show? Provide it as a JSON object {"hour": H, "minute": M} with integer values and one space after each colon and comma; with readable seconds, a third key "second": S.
{"hour": 10, "minute": 47}
